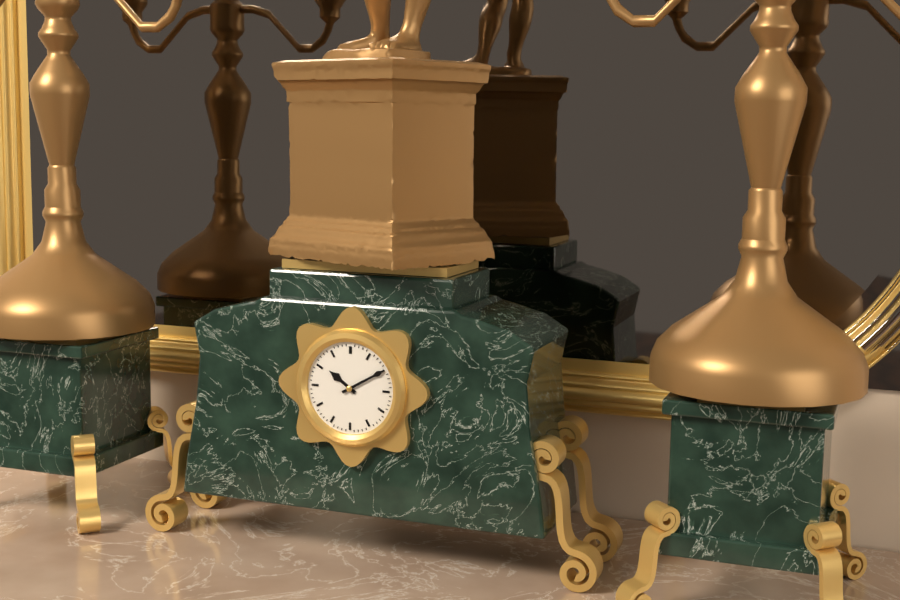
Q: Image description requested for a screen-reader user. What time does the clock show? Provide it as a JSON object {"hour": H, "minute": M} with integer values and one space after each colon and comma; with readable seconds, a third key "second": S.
{"hour": 10, "minute": 10}
